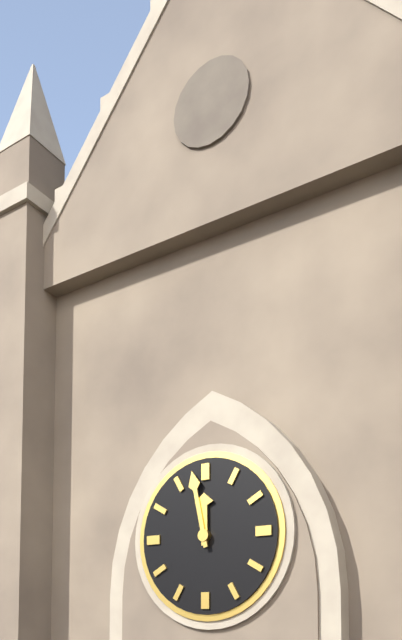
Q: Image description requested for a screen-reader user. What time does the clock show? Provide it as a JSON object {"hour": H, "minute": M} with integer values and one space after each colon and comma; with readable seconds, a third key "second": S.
{"hour": 11, "minute": 58}
